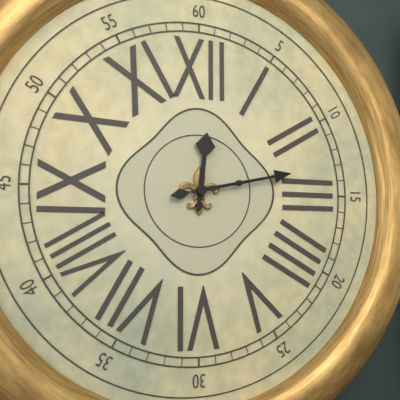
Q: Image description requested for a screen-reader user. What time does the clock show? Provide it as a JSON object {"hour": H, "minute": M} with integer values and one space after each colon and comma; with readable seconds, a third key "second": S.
{"hour": 12, "minute": 13}
